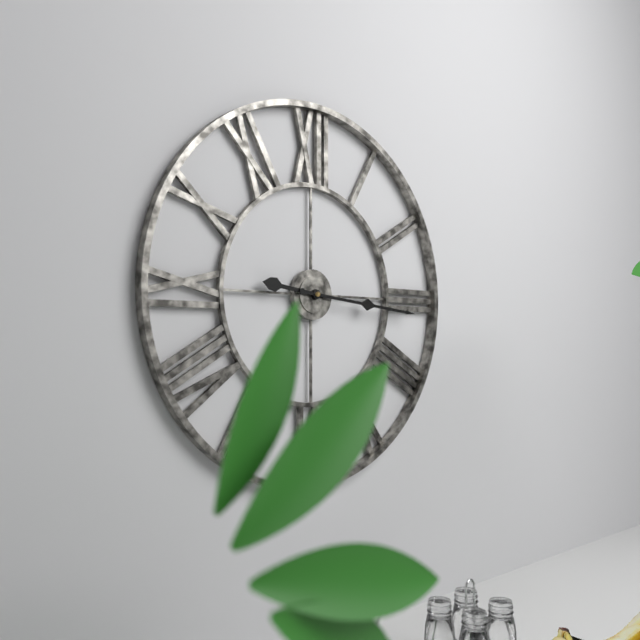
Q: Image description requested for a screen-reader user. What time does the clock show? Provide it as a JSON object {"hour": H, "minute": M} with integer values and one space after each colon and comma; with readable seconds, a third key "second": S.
{"hour": 9, "minute": 16}
